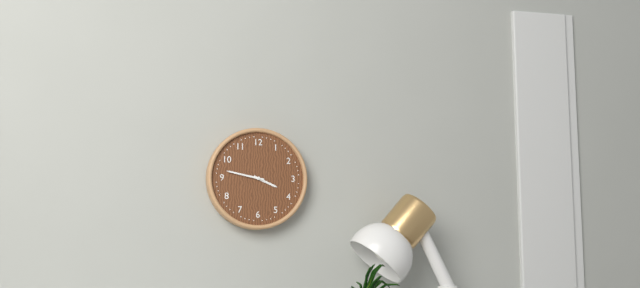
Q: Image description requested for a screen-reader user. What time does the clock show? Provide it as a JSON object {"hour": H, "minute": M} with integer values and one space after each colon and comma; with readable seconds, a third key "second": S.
{"hour": 3, "minute": 47}
